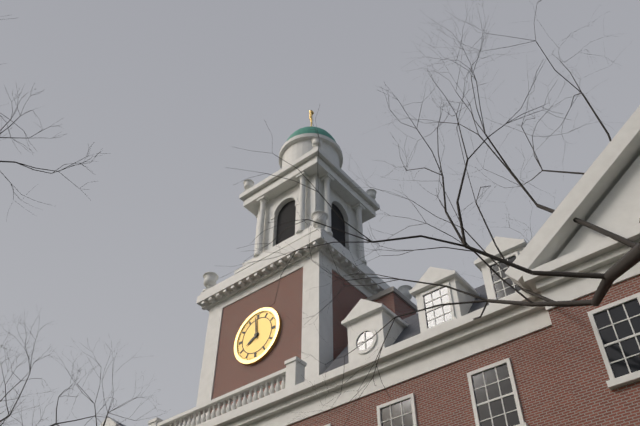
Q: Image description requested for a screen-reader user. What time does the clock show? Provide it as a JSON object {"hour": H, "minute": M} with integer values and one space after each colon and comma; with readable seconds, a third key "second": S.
{"hour": 7, "minute": 59}
